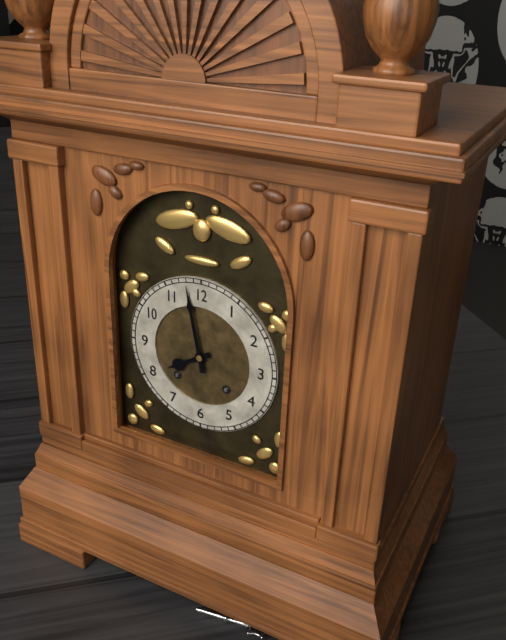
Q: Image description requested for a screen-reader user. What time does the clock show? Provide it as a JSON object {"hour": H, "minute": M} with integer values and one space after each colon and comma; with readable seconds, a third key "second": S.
{"hour": 7, "minute": 58}
